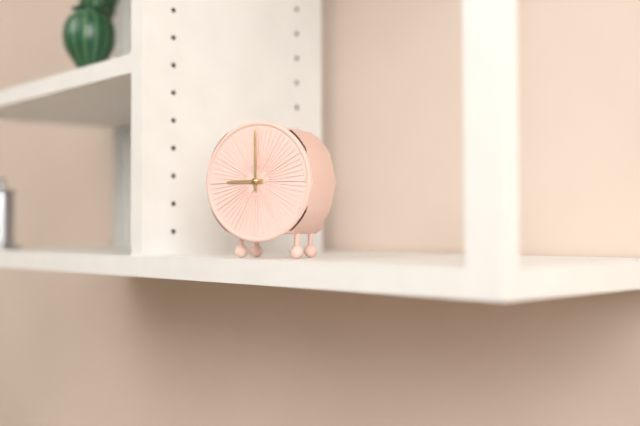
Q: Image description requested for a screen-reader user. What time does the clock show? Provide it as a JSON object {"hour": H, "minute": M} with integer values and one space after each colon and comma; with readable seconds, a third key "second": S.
{"hour": 9, "minute": 0}
